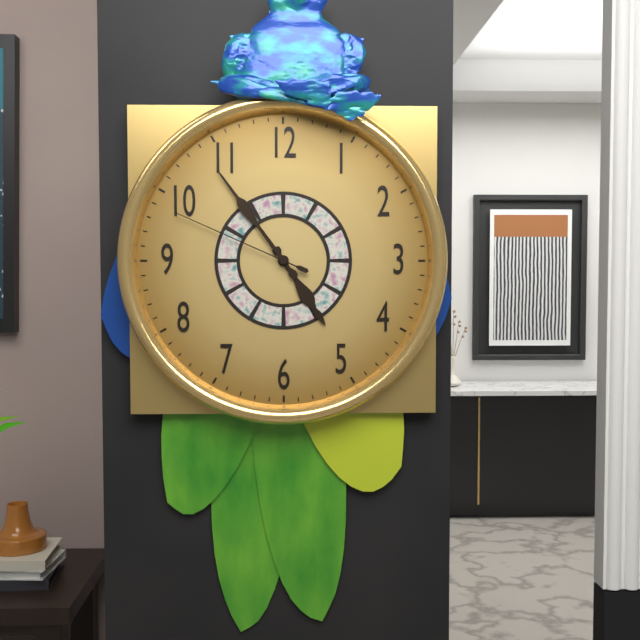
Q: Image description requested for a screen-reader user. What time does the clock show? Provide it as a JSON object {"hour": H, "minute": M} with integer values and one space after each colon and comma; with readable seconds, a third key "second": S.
{"hour": 4, "minute": 54, "second": 49}
